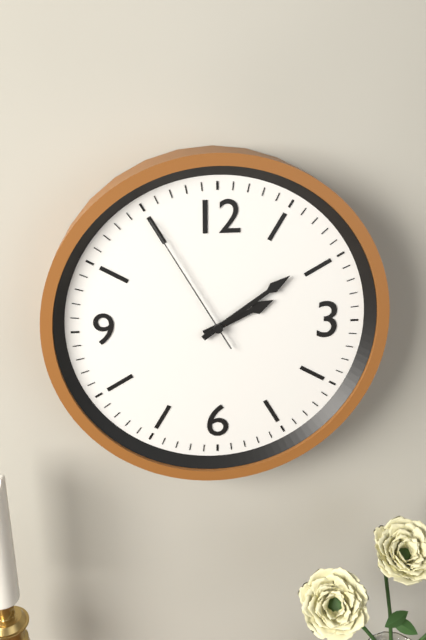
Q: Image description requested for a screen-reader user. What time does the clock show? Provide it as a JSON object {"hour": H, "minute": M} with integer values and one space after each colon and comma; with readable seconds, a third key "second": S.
{"hour": 2, "minute": 9, "second": 55}
